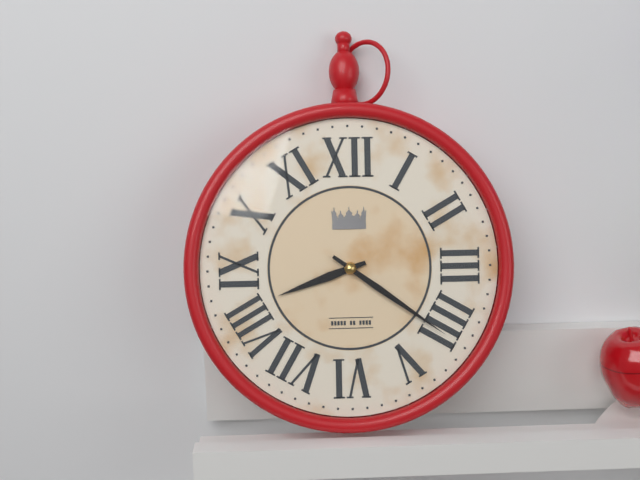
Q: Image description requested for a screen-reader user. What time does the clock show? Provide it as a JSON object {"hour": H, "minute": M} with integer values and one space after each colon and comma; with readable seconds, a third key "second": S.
{"hour": 8, "minute": 21}
